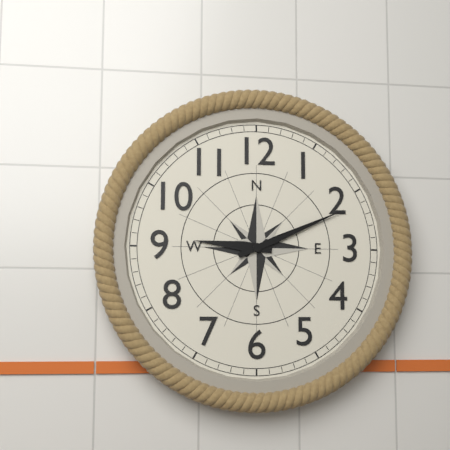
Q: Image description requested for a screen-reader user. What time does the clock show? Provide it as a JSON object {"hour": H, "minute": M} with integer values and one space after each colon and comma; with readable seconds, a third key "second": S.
{"hour": 9, "minute": 11}
